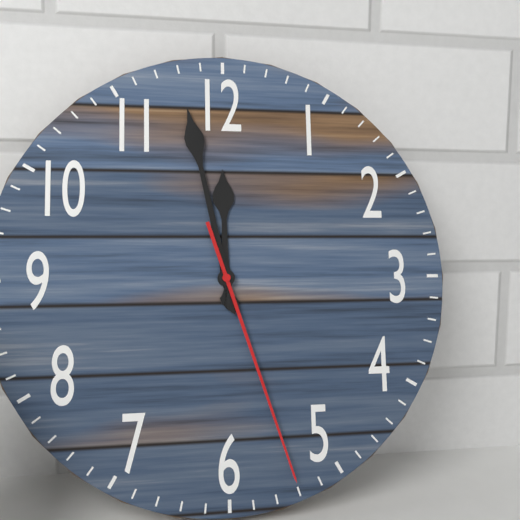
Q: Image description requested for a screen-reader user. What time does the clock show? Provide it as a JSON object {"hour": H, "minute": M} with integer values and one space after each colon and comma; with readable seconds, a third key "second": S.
{"hour": 11, "minute": 58, "second": 27}
